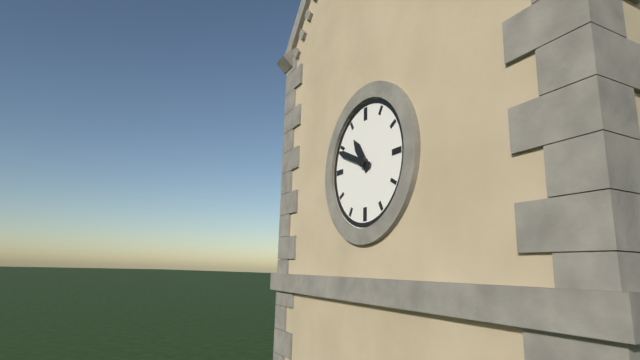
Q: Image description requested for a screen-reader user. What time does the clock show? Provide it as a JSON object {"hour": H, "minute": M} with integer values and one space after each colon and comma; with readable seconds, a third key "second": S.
{"hour": 10, "minute": 49}
